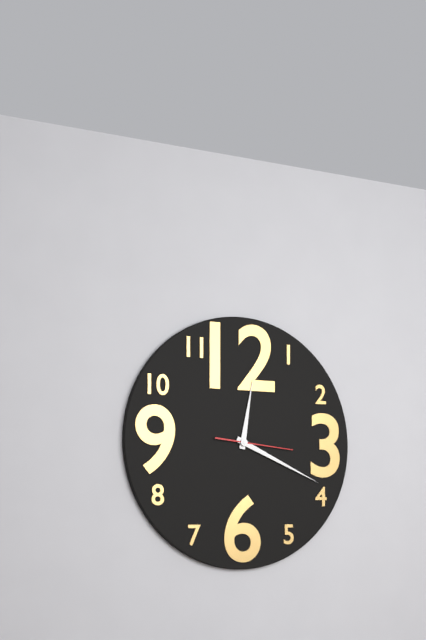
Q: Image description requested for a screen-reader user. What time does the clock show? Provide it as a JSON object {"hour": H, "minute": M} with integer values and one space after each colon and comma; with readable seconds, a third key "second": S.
{"hour": 12, "minute": 19, "second": 16}
